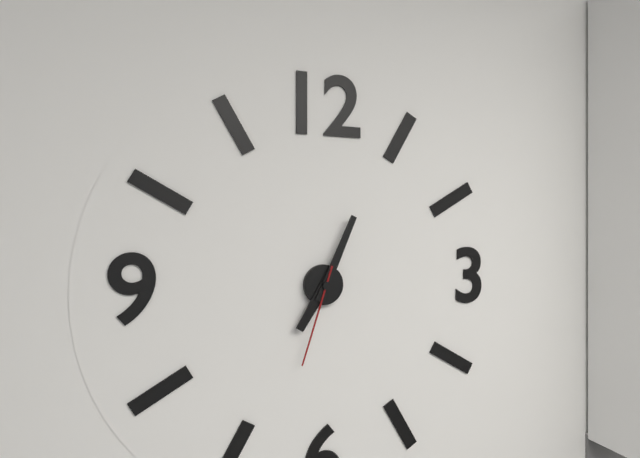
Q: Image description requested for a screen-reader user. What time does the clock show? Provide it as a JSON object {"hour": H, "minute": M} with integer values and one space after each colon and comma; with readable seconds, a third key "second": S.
{"hour": 7, "minute": 4, "second": 33}
